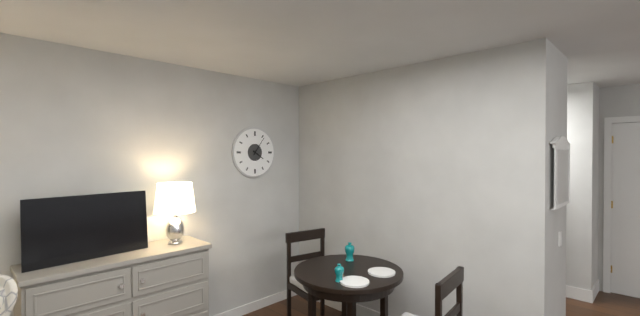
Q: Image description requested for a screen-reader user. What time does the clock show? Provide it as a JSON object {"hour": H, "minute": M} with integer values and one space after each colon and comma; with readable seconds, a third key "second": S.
{"hour": 4, "minute": 6}
